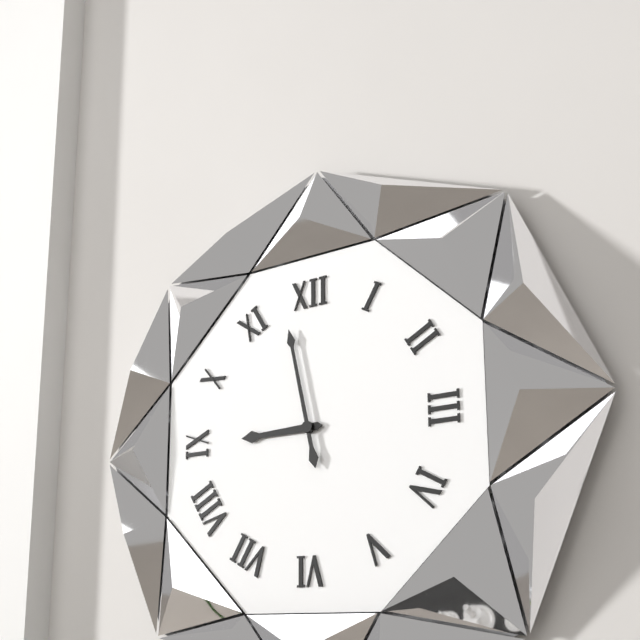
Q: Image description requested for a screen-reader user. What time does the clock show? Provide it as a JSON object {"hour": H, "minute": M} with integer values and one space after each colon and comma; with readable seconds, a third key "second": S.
{"hour": 8, "minute": 58}
